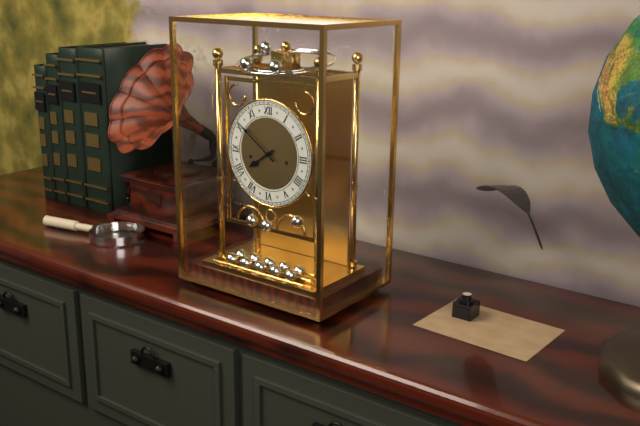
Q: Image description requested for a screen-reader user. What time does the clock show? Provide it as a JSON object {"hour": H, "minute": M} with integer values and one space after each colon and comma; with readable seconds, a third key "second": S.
{"hour": 7, "minute": 51}
